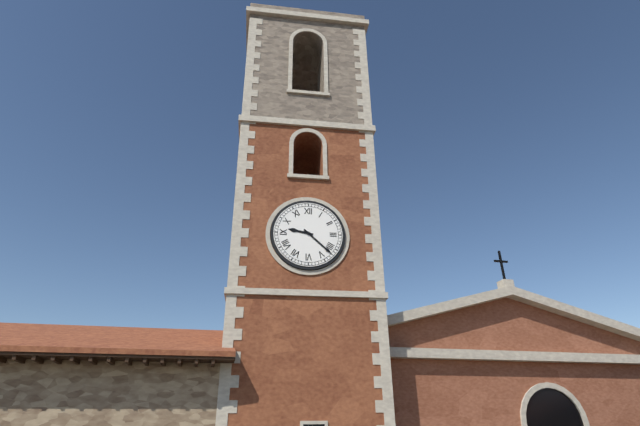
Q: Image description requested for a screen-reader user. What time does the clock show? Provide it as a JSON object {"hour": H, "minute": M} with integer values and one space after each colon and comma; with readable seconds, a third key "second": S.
{"hour": 9, "minute": 22}
